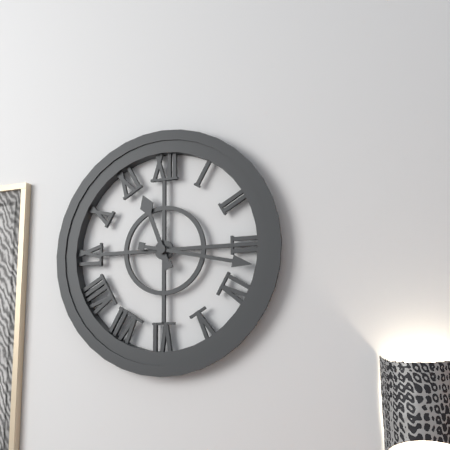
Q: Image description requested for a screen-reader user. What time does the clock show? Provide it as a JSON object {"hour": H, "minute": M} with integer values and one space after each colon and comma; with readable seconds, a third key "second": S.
{"hour": 11, "minute": 17}
